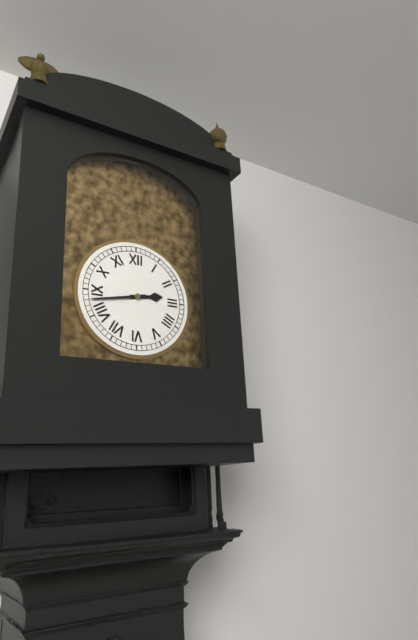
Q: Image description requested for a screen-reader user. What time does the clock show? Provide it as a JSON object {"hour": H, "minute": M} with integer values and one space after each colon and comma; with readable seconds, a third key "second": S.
{"hour": 2, "minute": 43}
